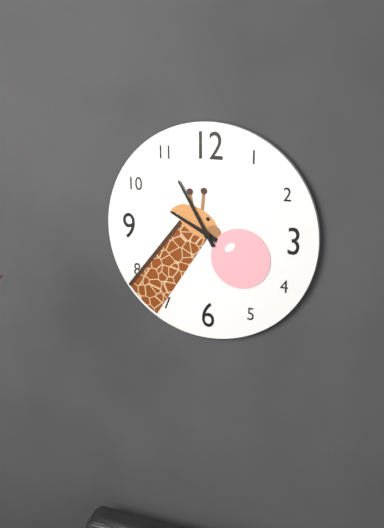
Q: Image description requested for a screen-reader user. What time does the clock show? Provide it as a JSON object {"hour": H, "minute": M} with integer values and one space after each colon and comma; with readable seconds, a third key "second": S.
{"hour": 9, "minute": 55}
